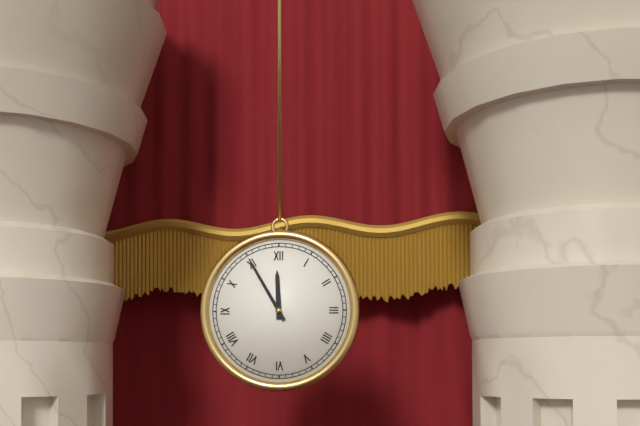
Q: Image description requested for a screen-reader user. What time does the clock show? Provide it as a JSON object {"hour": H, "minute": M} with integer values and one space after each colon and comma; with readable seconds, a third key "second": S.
{"hour": 11, "minute": 55}
